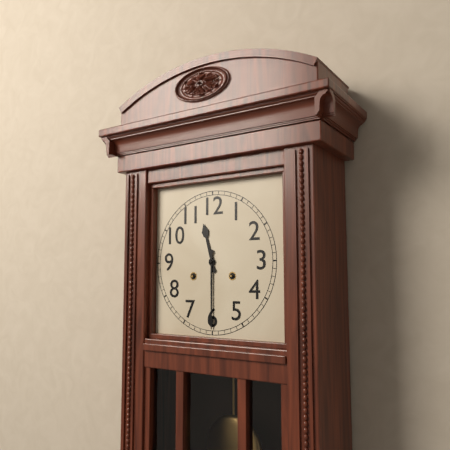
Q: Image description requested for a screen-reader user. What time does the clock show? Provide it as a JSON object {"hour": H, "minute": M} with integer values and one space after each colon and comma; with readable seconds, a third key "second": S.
{"hour": 11, "minute": 30}
